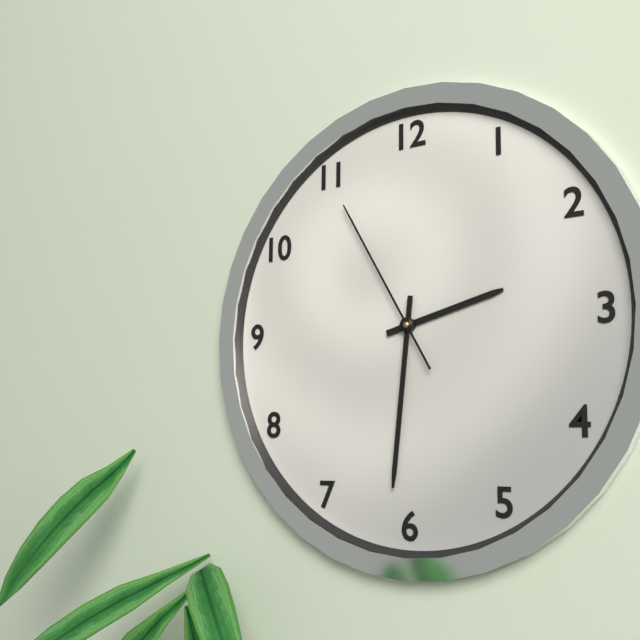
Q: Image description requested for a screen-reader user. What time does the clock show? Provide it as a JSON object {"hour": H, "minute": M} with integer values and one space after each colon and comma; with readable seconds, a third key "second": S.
{"hour": 2, "minute": 31, "second": 55}
